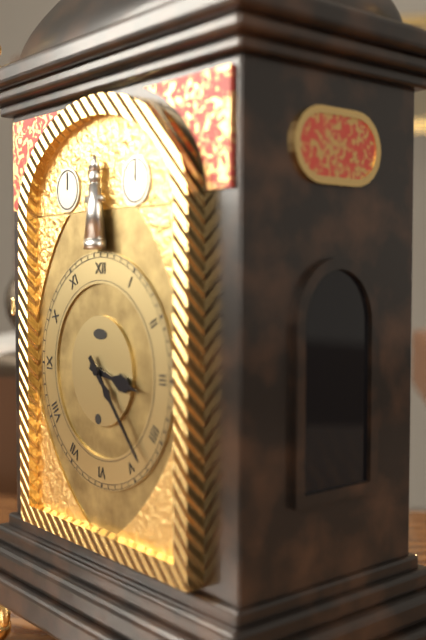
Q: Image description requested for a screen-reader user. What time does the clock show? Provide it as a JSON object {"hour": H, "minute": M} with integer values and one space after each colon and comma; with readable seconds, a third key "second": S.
{"hour": 3, "minute": 23}
